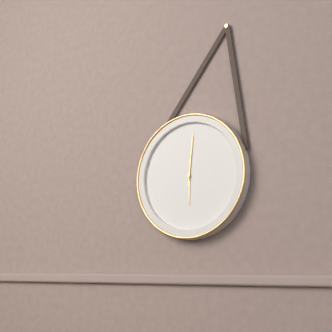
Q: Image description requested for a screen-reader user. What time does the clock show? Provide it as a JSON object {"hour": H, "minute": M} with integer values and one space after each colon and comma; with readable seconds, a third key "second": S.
{"hour": 6, "minute": 1}
